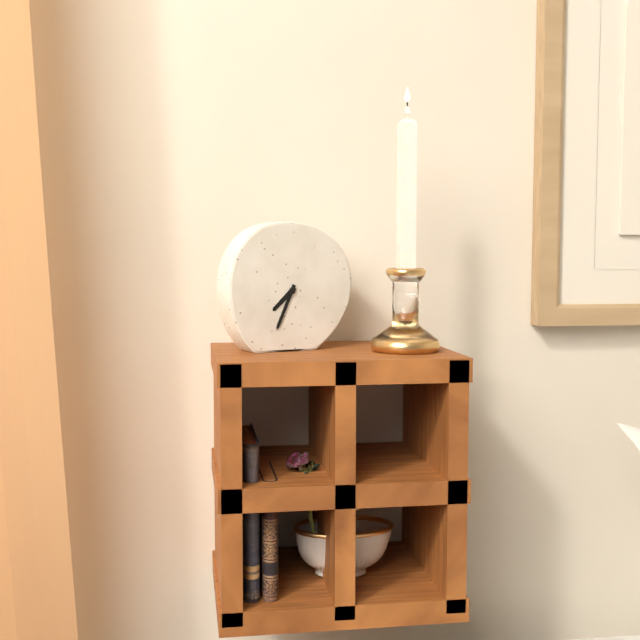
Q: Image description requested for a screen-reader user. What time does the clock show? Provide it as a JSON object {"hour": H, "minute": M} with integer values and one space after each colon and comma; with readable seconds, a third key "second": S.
{"hour": 7, "minute": 34}
